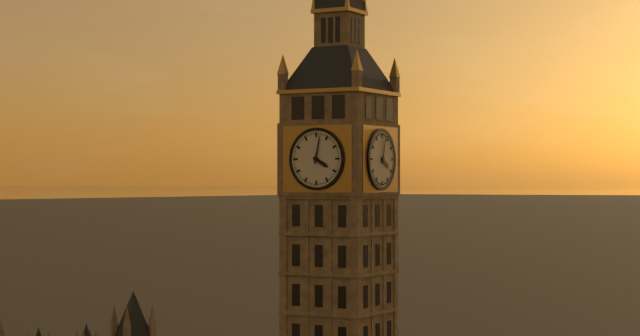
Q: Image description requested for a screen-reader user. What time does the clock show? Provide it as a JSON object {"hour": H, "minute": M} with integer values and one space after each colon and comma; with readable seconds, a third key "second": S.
{"hour": 4, "minute": 2}
